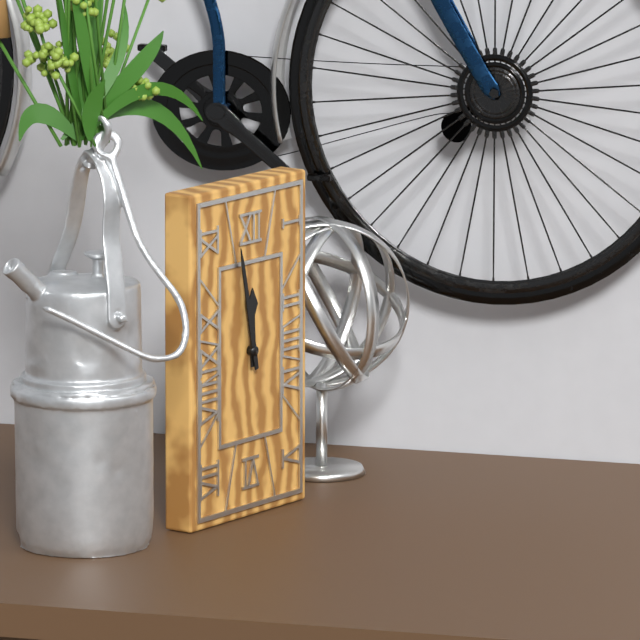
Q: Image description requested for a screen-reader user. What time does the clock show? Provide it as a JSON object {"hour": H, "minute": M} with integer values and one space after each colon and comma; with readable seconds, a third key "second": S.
{"hour": 11, "minute": 58}
